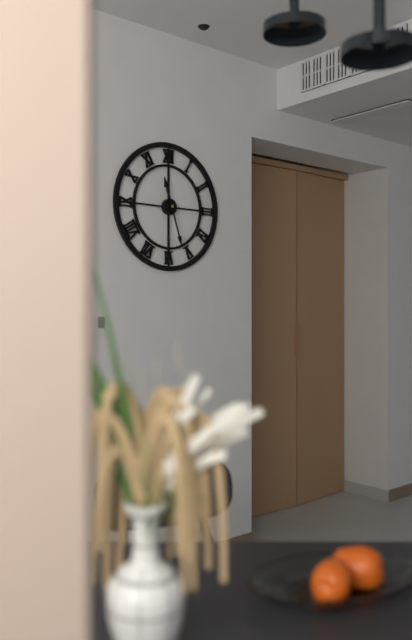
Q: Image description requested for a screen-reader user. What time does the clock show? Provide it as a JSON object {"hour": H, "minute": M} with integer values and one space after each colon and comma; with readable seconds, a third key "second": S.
{"hour": 11, "minute": 27}
